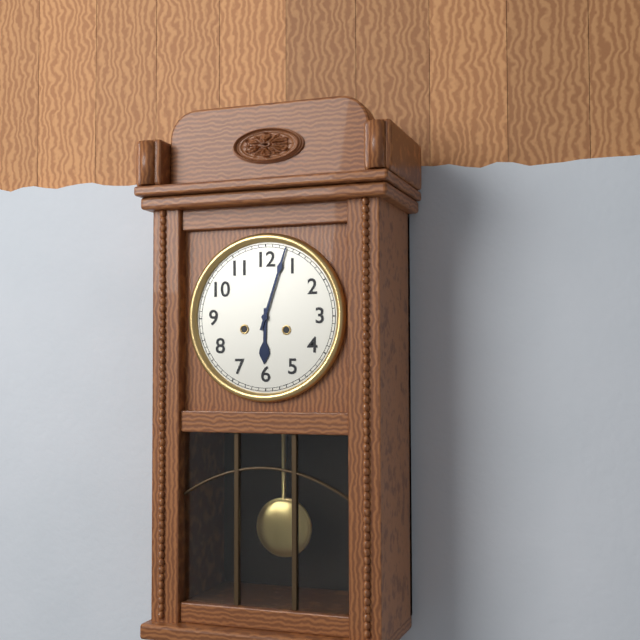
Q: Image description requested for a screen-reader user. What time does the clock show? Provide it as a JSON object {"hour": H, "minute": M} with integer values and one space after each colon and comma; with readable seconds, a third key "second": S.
{"hour": 6, "minute": 3}
